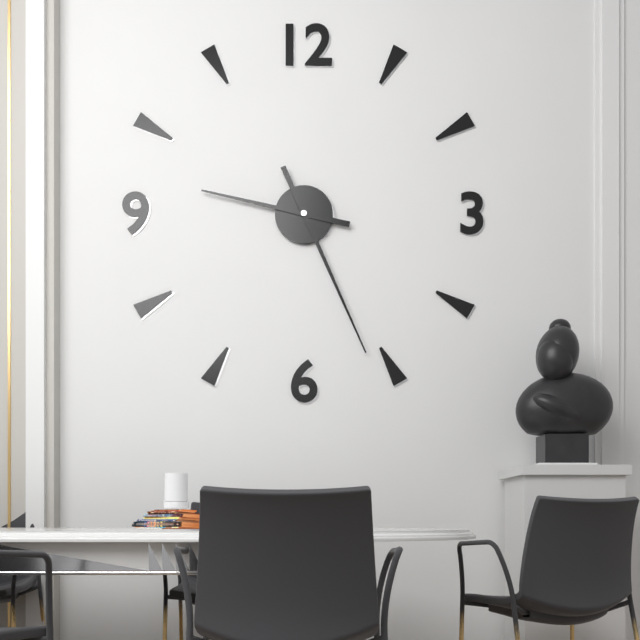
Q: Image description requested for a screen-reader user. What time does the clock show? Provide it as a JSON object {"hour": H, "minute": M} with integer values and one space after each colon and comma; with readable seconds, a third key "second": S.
{"hour": 9, "minute": 26}
